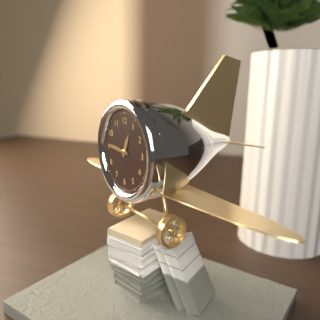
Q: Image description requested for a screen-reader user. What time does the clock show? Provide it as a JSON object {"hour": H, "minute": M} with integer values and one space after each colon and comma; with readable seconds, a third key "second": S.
{"hour": 12, "minute": 46}
